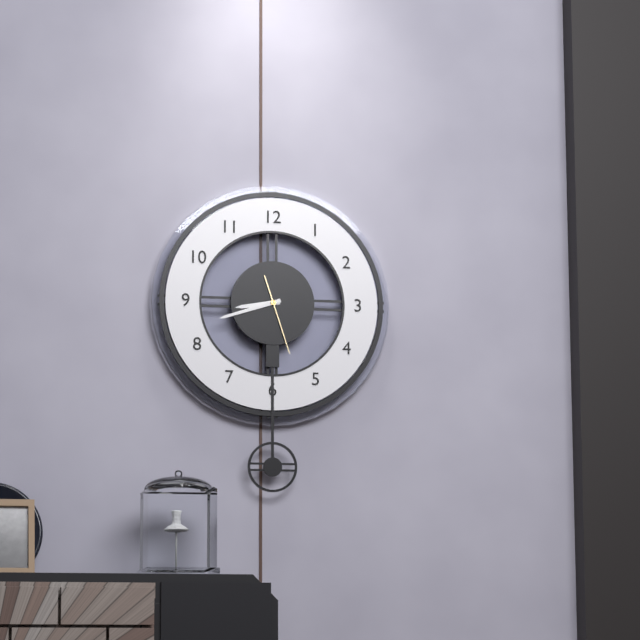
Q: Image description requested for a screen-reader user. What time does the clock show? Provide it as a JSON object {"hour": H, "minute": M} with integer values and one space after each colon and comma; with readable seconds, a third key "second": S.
{"hour": 8, "minute": 42, "second": 27}
